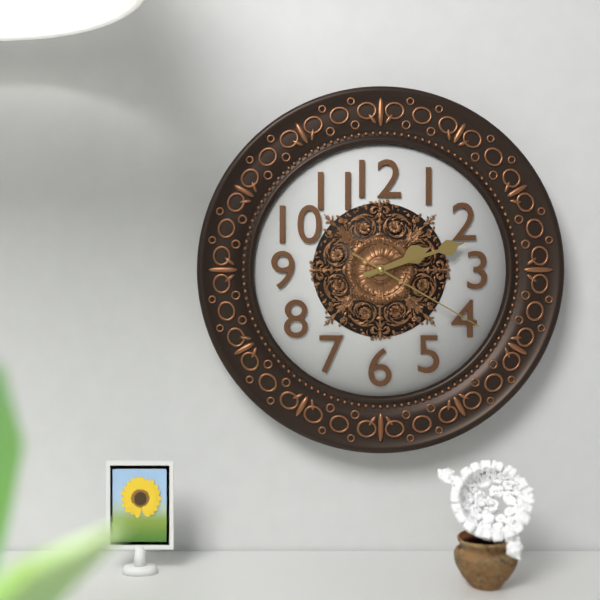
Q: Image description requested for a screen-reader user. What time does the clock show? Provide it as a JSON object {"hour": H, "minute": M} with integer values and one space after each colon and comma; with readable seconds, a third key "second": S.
{"hour": 2, "minute": 12, "second": 20}
